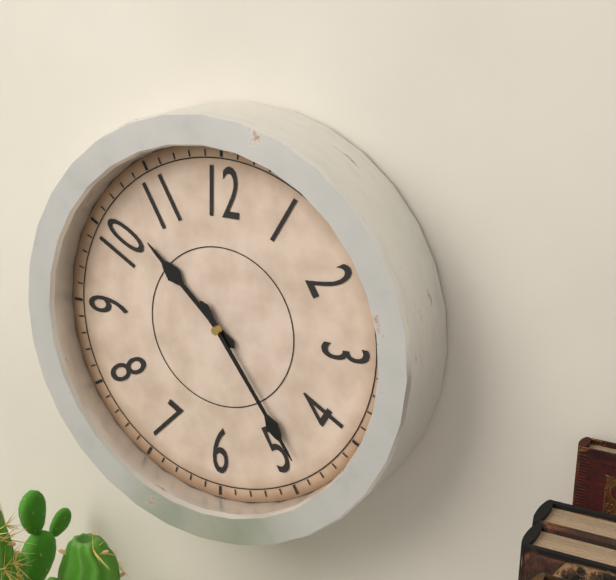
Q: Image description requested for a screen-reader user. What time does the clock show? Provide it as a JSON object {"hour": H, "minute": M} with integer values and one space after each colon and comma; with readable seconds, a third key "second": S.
{"hour": 10, "minute": 24}
